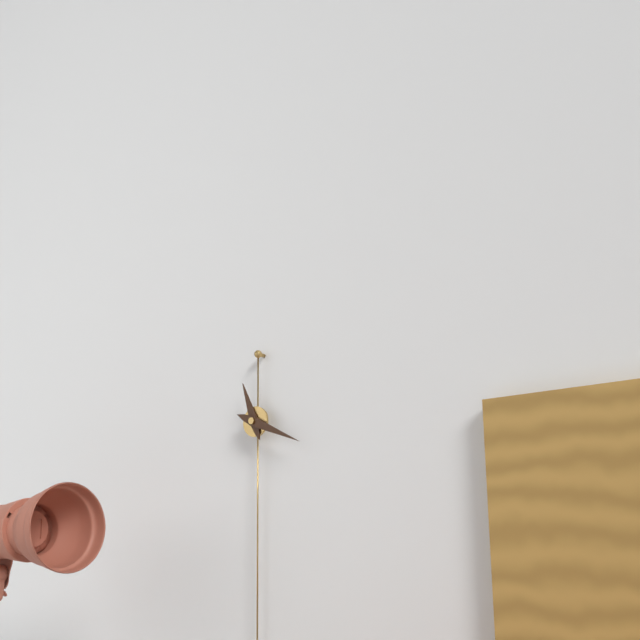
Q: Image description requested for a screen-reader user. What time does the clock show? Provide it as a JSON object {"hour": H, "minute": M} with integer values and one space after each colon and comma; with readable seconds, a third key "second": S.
{"hour": 11, "minute": 19}
